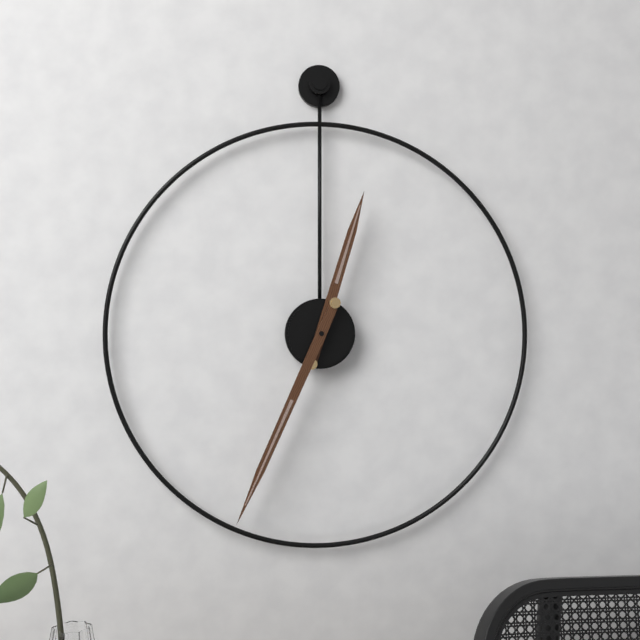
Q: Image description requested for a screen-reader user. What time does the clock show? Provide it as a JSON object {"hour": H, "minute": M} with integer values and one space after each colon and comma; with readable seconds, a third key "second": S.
{"hour": 12, "minute": 34}
